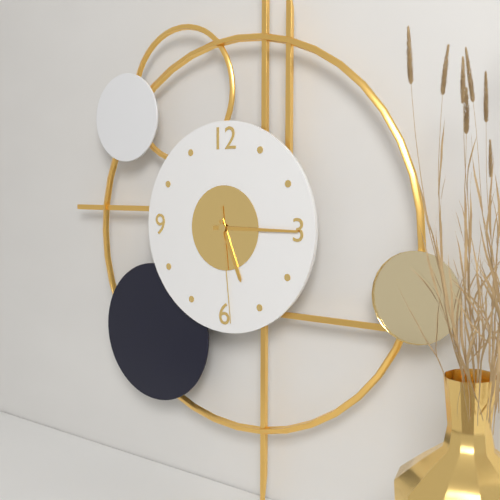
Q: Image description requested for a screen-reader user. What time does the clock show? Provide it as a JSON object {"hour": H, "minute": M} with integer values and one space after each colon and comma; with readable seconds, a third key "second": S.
{"hour": 5, "minute": 15, "second": 29}
